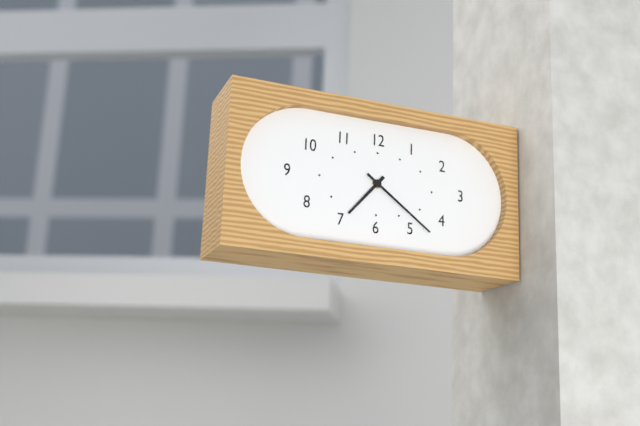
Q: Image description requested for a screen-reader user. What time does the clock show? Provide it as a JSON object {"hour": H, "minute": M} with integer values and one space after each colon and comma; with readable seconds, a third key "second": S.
{"hour": 7, "minute": 21}
